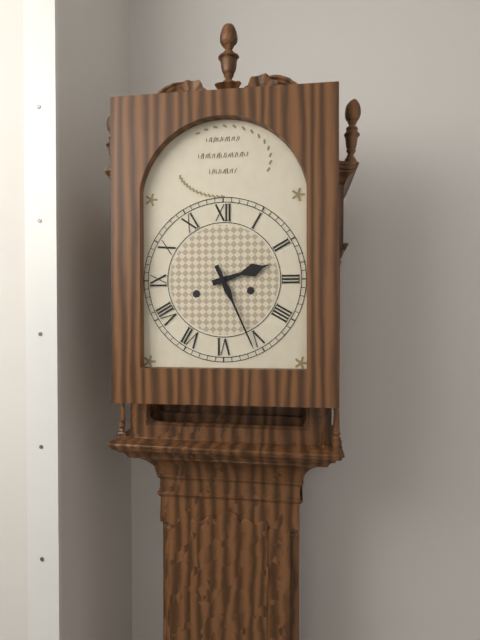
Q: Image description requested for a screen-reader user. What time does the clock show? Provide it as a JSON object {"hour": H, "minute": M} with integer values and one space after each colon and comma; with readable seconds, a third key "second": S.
{"hour": 2, "minute": 26}
